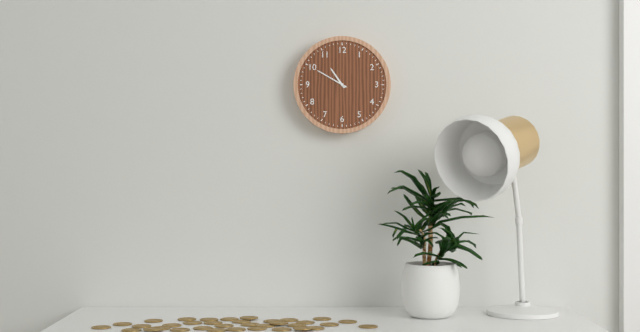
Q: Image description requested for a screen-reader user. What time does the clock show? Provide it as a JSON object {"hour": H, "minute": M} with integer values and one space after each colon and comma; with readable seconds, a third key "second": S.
{"hour": 10, "minute": 50}
